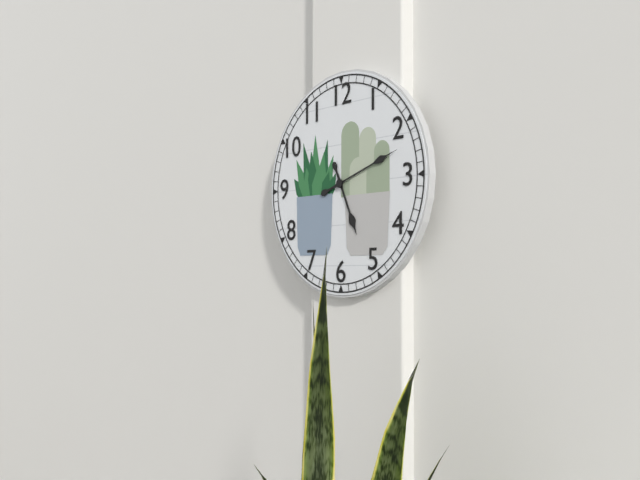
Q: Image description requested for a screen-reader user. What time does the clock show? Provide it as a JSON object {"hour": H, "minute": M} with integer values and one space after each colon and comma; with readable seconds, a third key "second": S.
{"hour": 5, "minute": 12}
